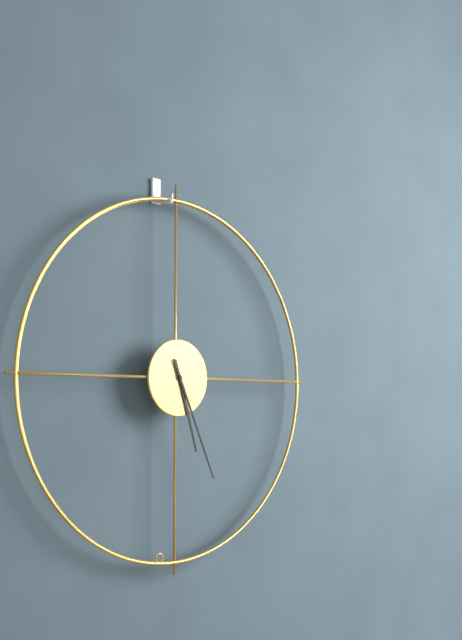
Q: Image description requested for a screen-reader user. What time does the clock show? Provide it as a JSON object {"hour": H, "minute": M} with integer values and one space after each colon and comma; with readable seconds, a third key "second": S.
{"hour": 5, "minute": 26}
